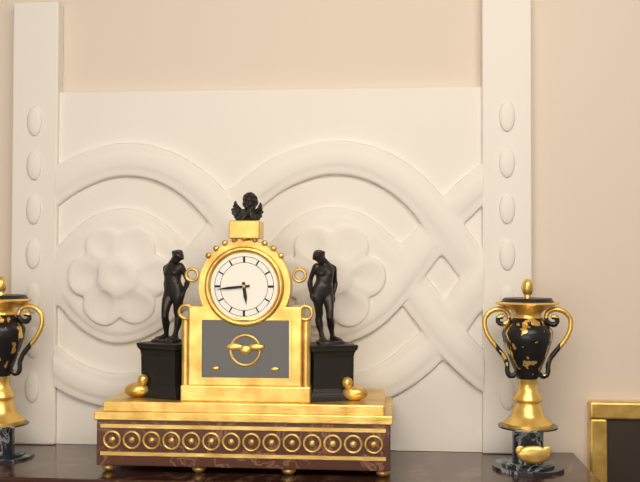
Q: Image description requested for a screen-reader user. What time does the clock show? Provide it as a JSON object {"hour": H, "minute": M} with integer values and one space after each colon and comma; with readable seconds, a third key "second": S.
{"hour": 5, "minute": 44}
